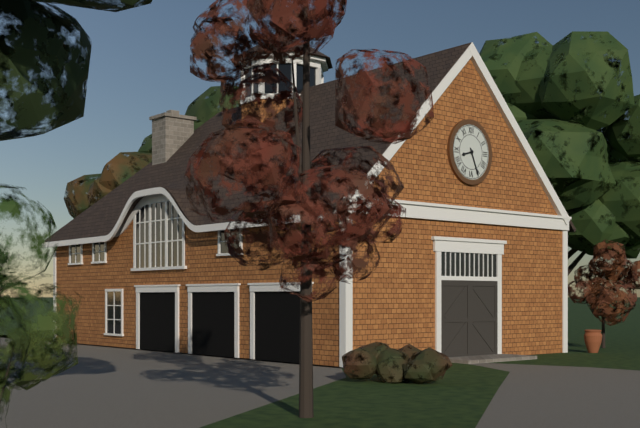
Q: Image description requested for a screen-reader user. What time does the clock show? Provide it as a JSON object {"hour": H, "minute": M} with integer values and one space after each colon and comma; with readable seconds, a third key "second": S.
{"hour": 8, "minute": 26}
